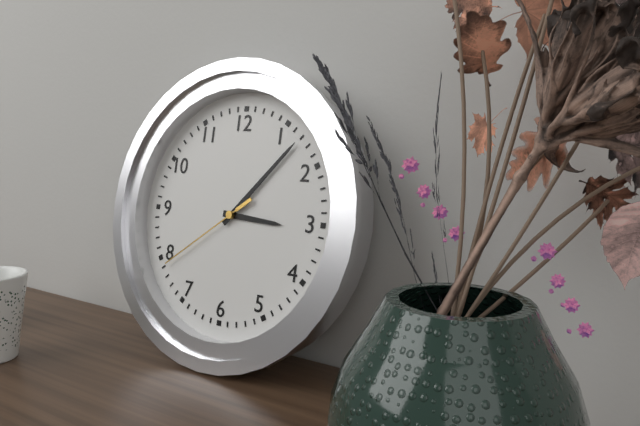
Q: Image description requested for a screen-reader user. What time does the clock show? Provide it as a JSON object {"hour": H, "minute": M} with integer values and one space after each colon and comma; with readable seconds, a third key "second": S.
{"hour": 3, "minute": 7, "second": 39}
